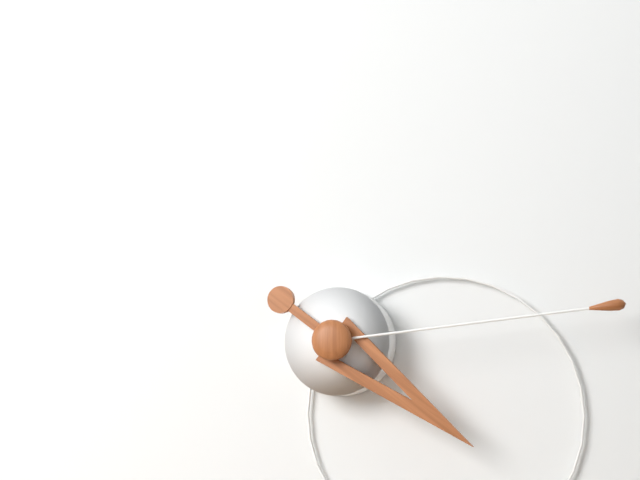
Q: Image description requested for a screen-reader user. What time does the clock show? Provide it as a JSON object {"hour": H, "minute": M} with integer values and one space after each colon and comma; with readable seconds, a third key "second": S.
{"hour": 4, "minute": 14}
